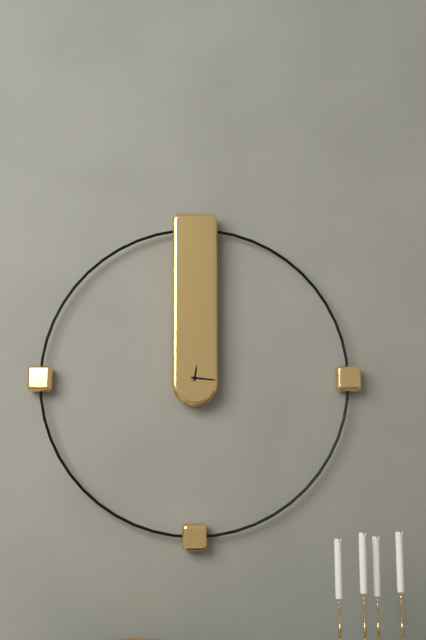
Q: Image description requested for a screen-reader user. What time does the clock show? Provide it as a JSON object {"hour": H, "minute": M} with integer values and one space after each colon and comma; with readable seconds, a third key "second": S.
{"hour": 12, "minute": 16}
